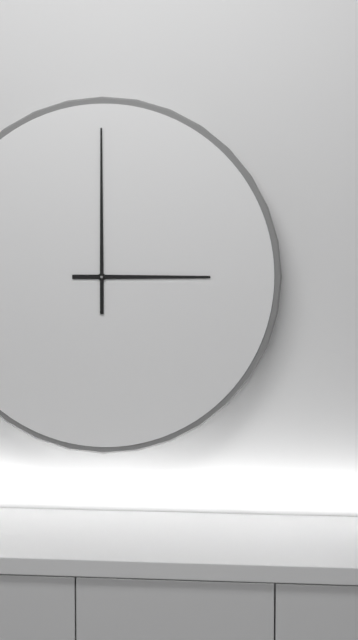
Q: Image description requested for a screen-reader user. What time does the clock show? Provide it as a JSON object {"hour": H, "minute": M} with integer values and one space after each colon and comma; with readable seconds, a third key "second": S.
{"hour": 3, "minute": 0}
